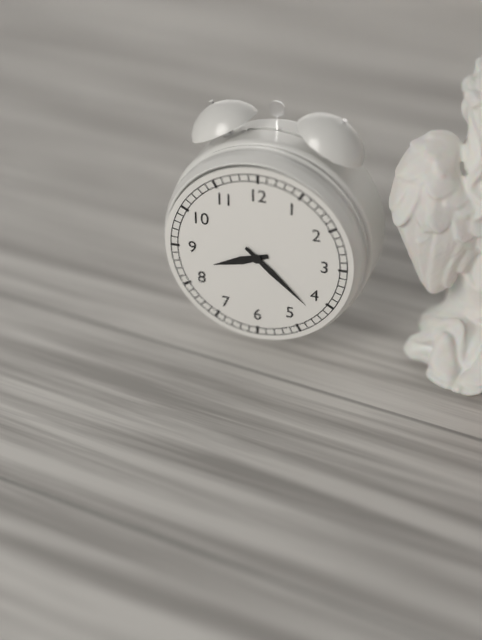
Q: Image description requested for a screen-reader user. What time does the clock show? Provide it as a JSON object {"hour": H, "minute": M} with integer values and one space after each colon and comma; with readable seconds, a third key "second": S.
{"hour": 8, "minute": 22}
